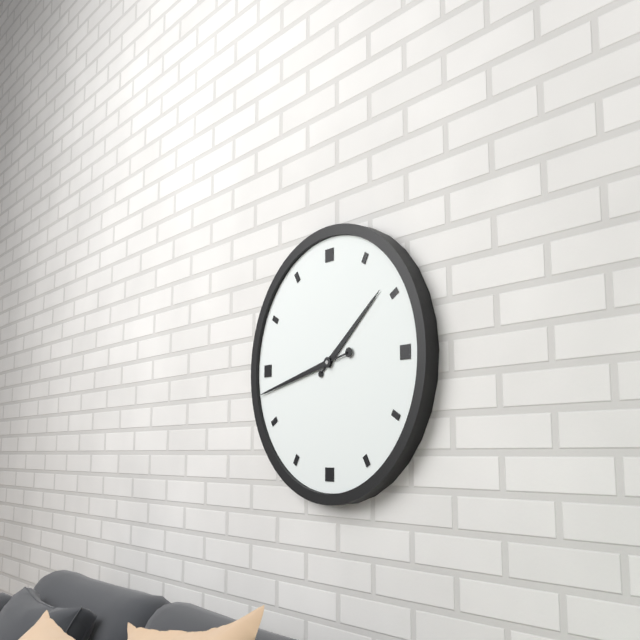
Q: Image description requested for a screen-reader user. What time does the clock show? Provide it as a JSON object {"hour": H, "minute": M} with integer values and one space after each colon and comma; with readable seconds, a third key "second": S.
{"hour": 1, "minute": 43}
